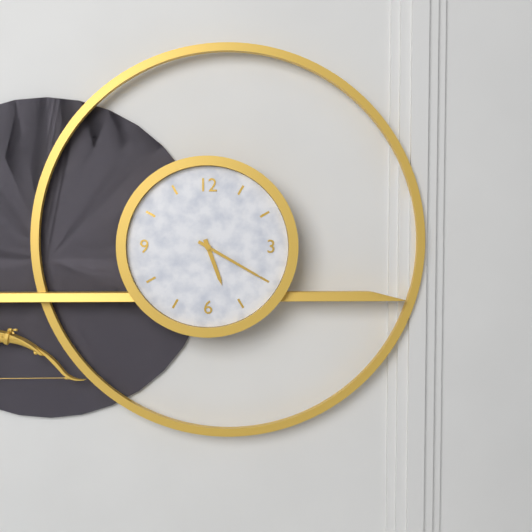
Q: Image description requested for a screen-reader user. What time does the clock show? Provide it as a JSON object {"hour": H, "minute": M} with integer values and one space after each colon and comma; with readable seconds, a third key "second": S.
{"hour": 5, "minute": 20}
